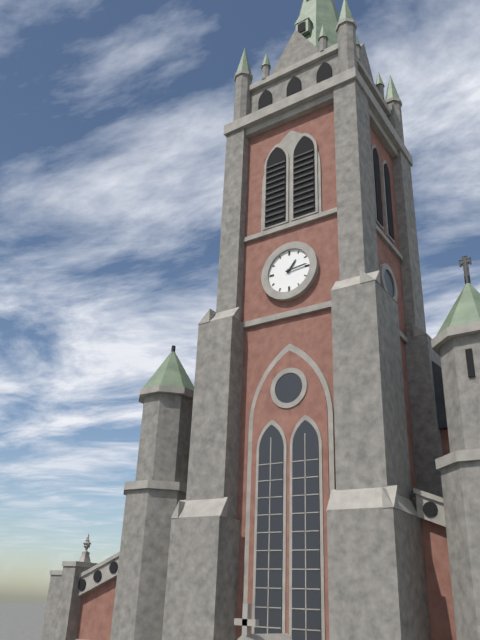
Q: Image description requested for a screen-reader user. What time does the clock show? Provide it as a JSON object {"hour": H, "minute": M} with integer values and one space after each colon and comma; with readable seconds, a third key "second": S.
{"hour": 1, "minute": 14}
